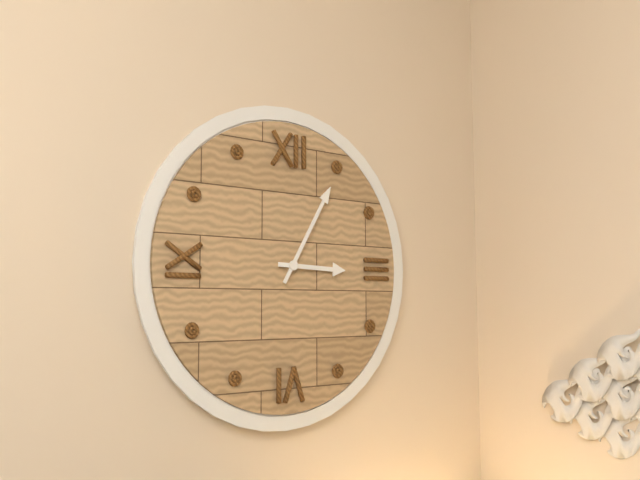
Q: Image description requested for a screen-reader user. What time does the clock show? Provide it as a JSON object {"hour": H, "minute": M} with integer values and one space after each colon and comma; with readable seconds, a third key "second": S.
{"hour": 3, "minute": 5}
